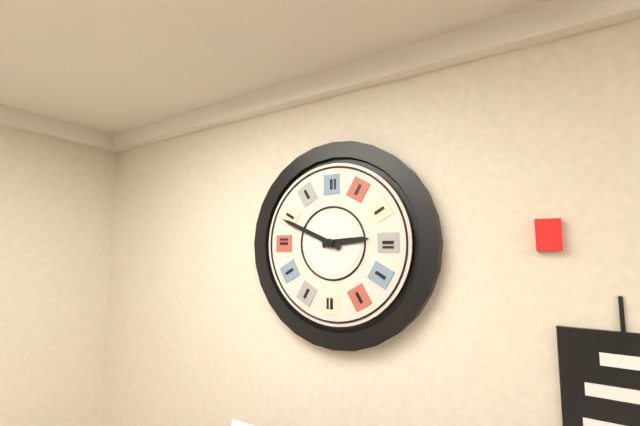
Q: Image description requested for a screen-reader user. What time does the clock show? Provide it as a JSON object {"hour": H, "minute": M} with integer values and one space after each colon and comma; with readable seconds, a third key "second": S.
{"hour": 2, "minute": 49}
